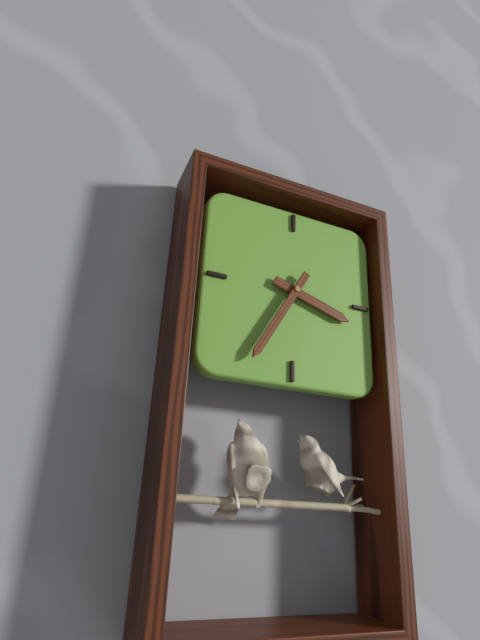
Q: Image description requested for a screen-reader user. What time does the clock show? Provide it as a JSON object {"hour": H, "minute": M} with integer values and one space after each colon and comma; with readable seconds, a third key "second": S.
{"hour": 3, "minute": 35}
